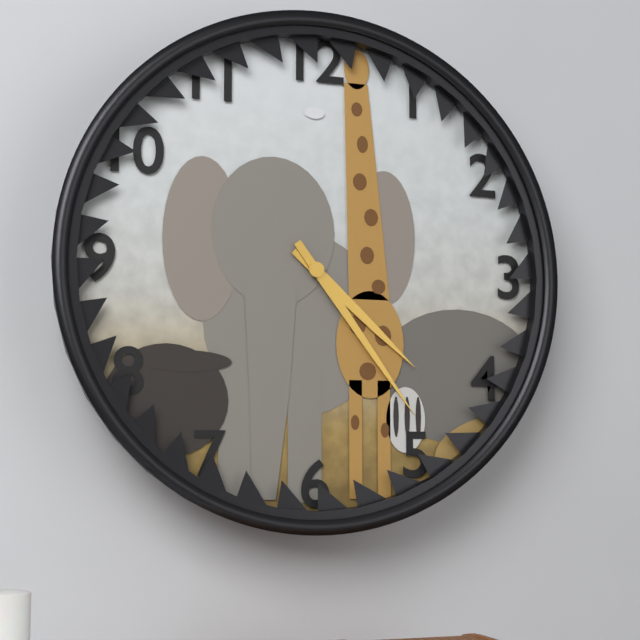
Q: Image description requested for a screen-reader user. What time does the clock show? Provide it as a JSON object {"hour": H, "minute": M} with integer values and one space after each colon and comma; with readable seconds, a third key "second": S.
{"hour": 4, "minute": 24}
